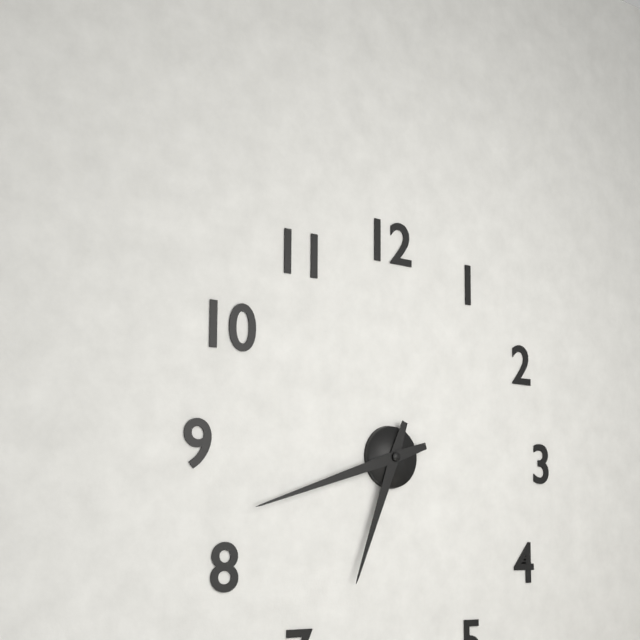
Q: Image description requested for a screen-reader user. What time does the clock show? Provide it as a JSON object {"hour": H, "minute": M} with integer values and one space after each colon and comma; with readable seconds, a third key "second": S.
{"hour": 6, "minute": 42}
